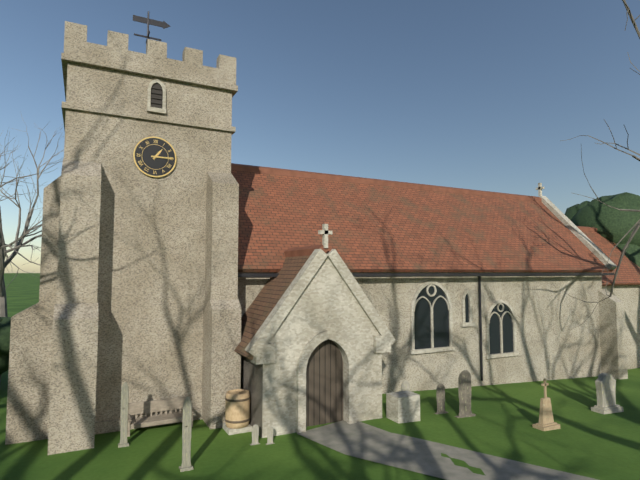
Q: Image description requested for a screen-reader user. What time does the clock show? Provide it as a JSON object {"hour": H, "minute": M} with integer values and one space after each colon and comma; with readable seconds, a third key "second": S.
{"hour": 1, "minute": 15}
